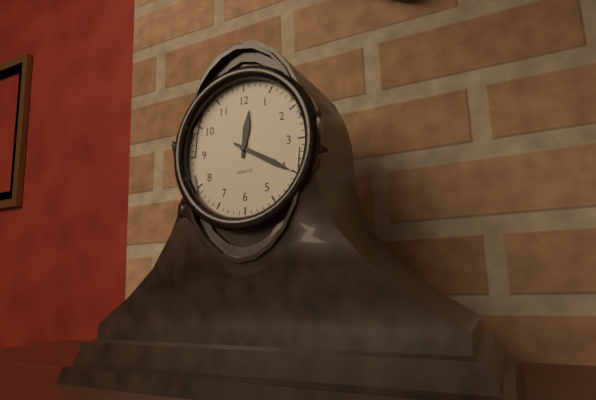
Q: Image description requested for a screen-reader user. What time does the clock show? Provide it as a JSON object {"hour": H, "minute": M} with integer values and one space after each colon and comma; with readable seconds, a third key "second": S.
{"hour": 12, "minute": 20}
